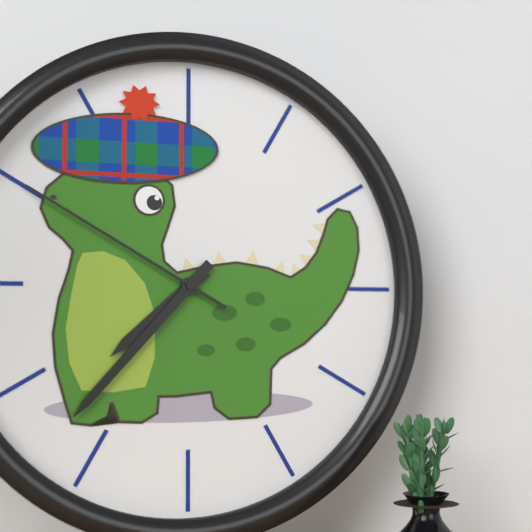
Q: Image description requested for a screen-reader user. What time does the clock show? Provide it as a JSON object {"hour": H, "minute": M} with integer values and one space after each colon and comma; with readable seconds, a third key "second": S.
{"hour": 7, "minute": 37, "second": 50}
